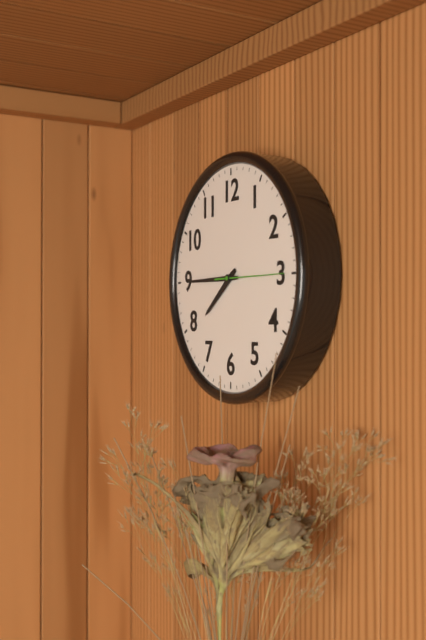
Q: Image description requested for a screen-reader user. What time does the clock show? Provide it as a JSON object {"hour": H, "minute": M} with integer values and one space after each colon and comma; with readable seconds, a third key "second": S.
{"hour": 7, "minute": 45, "second": 15}
